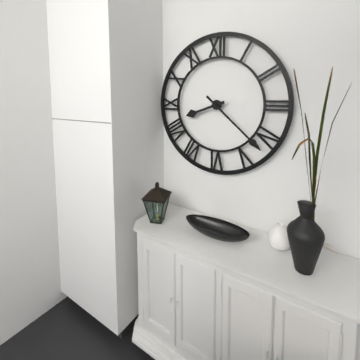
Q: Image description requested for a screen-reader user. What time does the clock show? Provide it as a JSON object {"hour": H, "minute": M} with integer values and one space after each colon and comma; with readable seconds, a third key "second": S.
{"hour": 8, "minute": 22}
